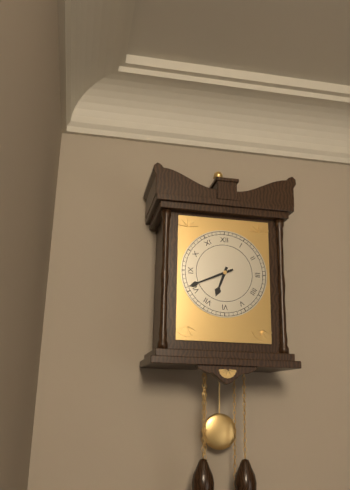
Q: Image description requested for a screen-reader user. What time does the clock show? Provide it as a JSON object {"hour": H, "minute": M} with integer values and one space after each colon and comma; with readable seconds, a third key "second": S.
{"hour": 6, "minute": 41}
